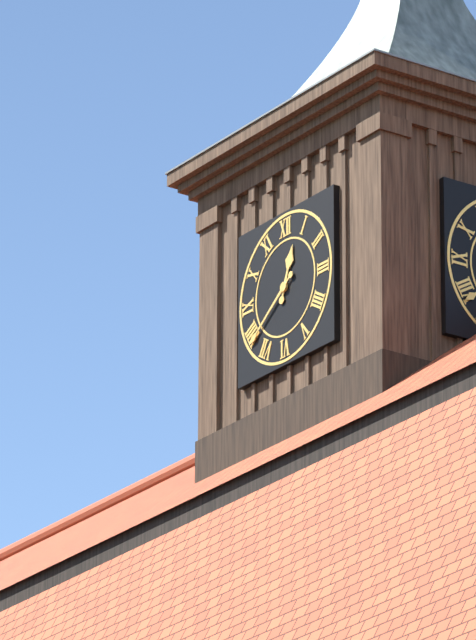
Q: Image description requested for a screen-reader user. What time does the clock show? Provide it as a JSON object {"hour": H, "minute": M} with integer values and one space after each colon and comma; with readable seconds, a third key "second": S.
{"hour": 12, "minute": 39}
